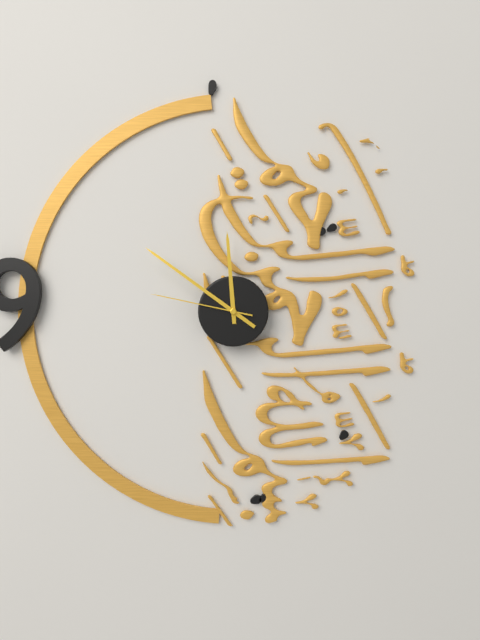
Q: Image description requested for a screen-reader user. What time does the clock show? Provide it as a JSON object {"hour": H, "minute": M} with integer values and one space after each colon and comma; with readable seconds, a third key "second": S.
{"hour": 11, "minute": 51, "second": 47}
